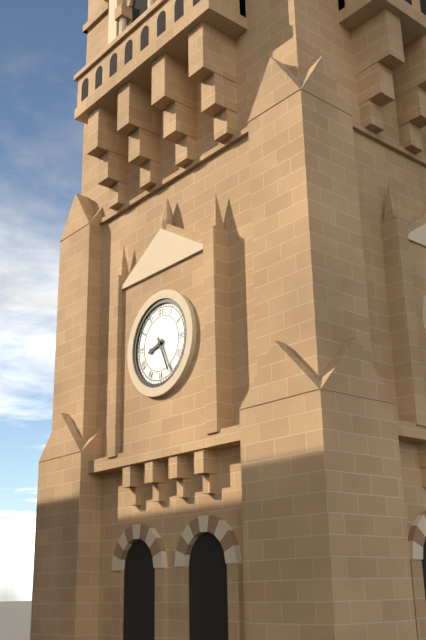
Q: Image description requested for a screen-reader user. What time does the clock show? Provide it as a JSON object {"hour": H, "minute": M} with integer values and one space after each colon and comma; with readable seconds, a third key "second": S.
{"hour": 8, "minute": 26}
